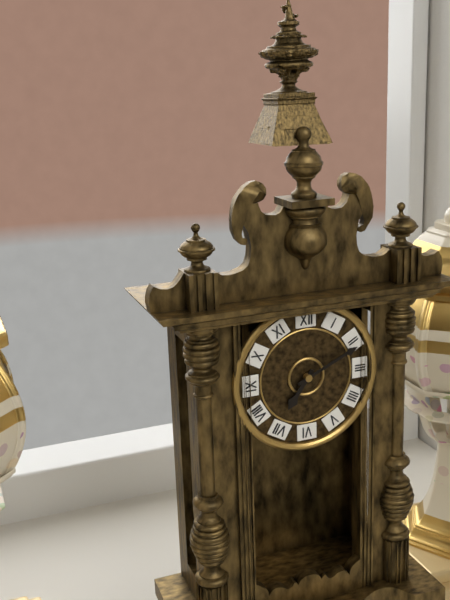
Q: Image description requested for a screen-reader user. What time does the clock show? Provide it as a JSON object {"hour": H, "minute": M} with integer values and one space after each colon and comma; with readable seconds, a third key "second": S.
{"hour": 7, "minute": 11}
